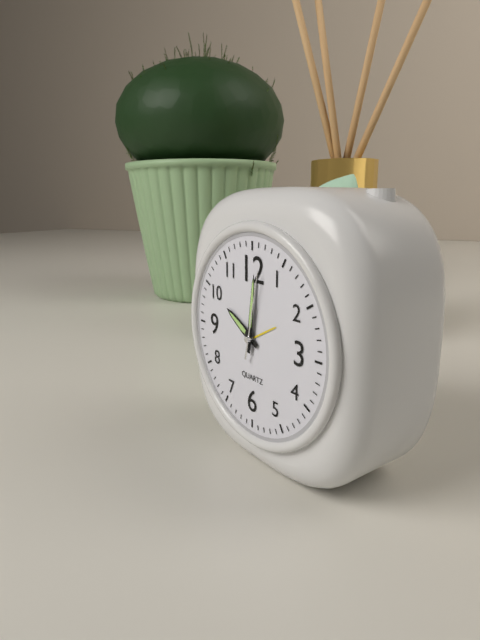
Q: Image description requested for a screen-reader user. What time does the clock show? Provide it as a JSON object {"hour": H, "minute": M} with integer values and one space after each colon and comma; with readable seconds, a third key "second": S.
{"hour": 10, "minute": 1, "second": 2}
